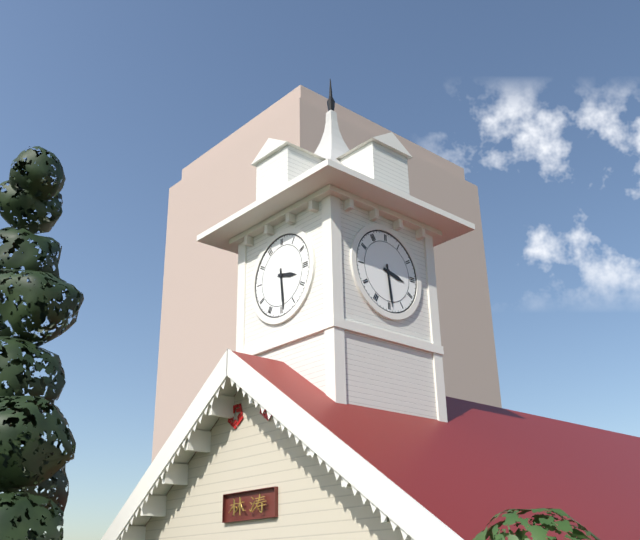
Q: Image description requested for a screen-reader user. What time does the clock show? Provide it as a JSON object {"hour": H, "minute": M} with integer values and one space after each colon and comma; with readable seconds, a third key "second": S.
{"hour": 3, "minute": 29}
